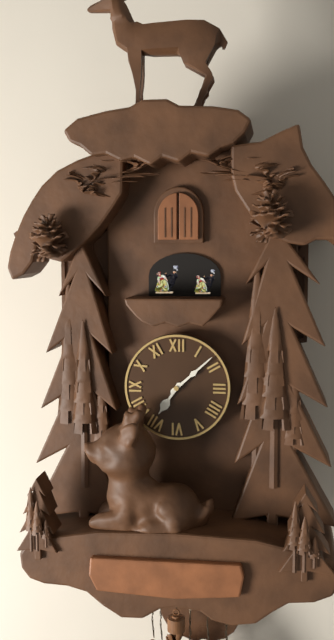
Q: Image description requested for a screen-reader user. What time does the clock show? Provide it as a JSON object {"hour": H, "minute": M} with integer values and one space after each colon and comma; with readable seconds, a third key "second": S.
{"hour": 7, "minute": 8}
